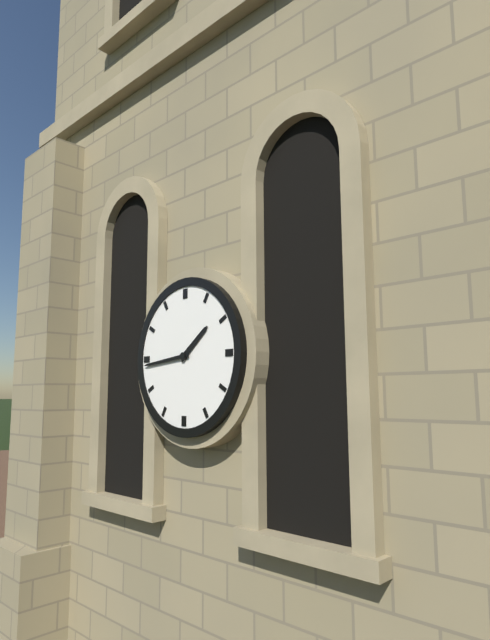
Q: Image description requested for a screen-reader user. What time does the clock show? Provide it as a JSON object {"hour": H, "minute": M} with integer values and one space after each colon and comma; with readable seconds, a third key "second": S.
{"hour": 1, "minute": 44}
